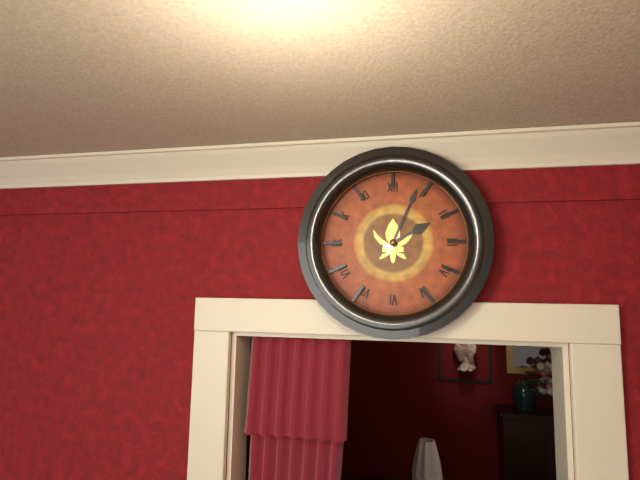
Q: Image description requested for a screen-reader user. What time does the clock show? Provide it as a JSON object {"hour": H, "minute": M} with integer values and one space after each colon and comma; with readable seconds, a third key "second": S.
{"hour": 2, "minute": 4}
